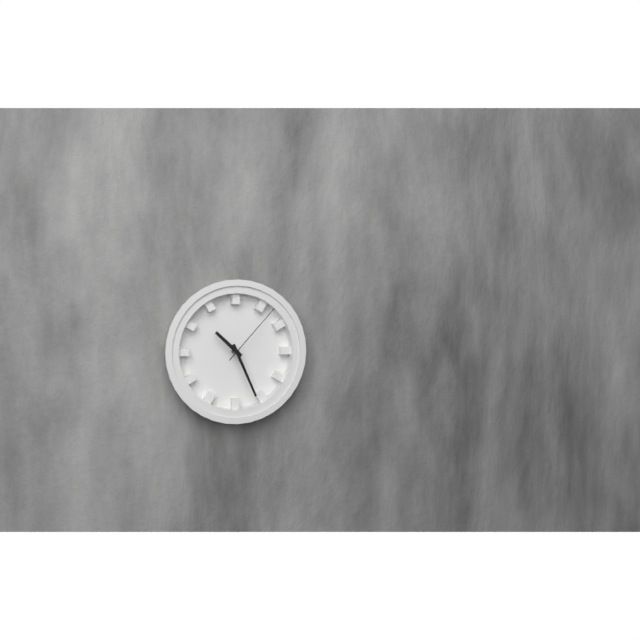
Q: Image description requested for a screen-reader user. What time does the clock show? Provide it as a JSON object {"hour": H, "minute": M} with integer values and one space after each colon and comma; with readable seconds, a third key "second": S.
{"hour": 10, "minute": 26, "second": 7}
